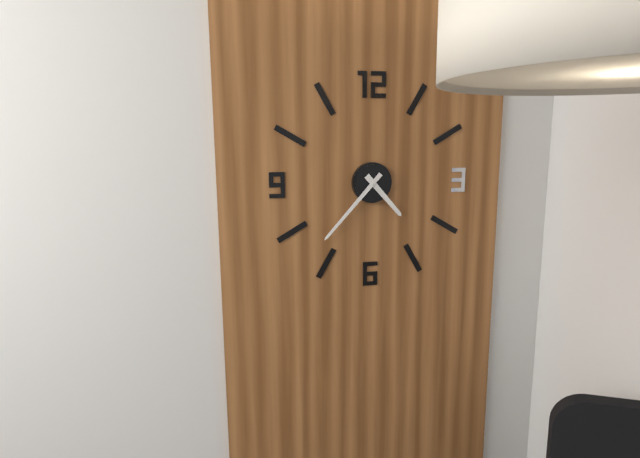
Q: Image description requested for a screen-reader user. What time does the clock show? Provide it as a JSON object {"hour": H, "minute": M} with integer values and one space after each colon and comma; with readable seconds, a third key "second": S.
{"hour": 4, "minute": 37}
